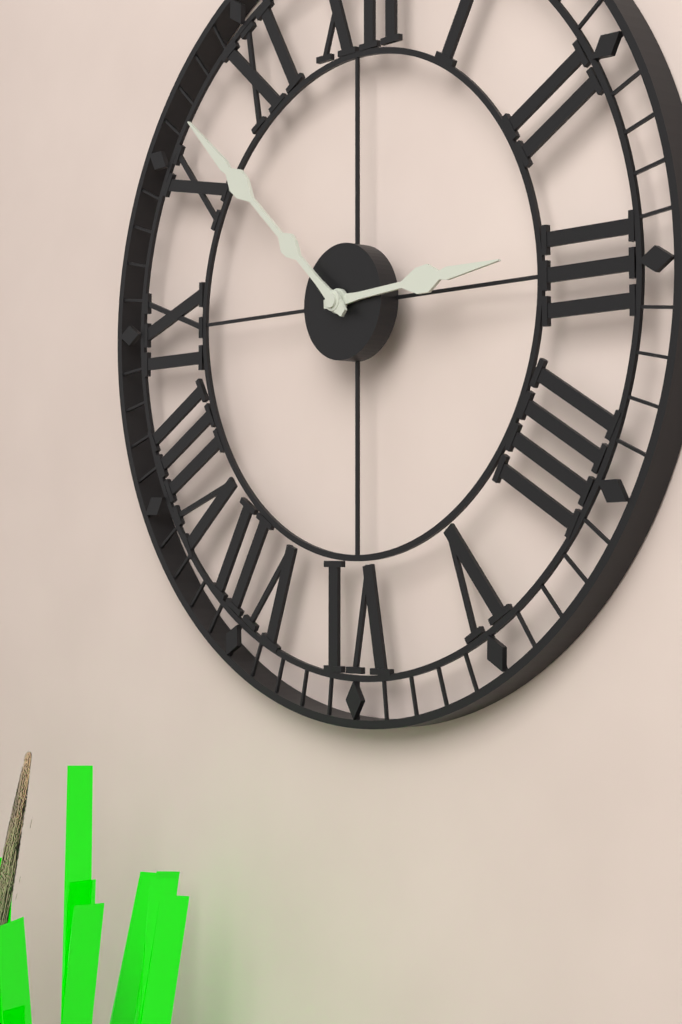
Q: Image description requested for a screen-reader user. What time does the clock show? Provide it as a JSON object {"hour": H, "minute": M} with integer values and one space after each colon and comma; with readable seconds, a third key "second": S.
{"hour": 2, "minute": 52}
